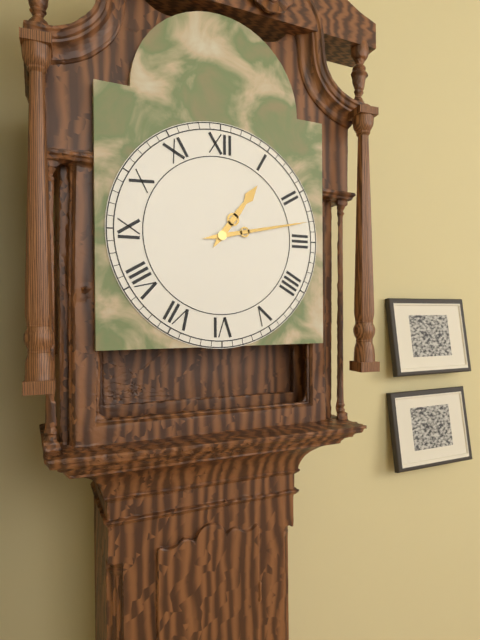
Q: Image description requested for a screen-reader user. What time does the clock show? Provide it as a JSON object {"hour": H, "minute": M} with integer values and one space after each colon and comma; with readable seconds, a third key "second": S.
{"hour": 1, "minute": 13}
